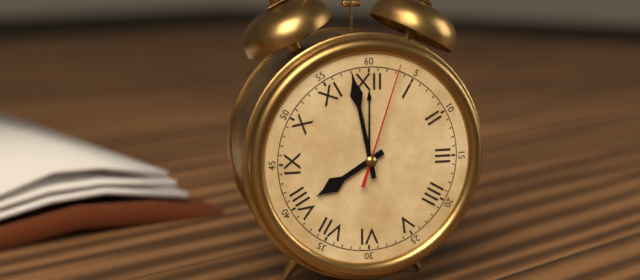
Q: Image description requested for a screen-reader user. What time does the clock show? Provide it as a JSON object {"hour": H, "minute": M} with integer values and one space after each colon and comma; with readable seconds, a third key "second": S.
{"hour": 7, "minute": 58, "second": 3}
